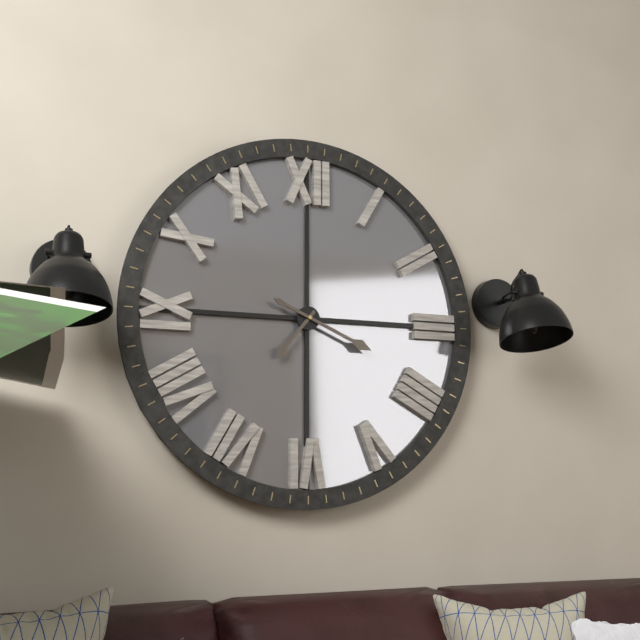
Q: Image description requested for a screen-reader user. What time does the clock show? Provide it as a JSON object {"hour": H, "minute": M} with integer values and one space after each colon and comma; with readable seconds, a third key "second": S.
{"hour": 7, "minute": 19}
